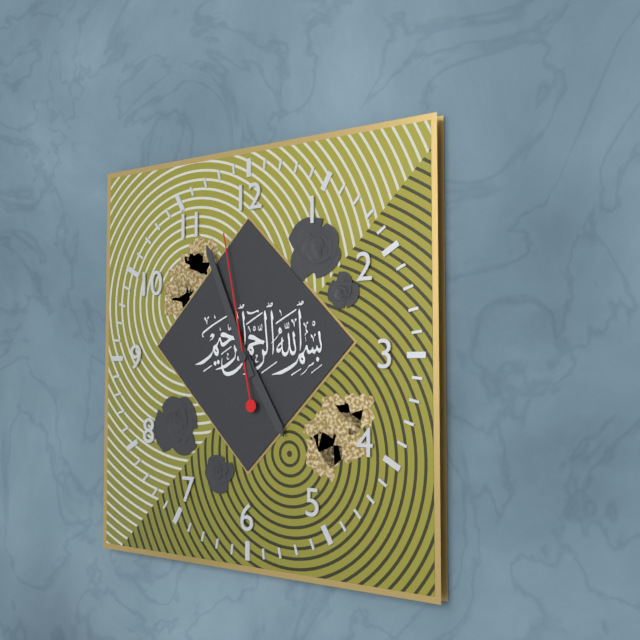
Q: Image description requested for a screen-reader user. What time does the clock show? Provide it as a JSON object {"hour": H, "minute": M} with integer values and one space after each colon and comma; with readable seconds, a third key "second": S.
{"hour": 4, "minute": 56, "second": 58}
